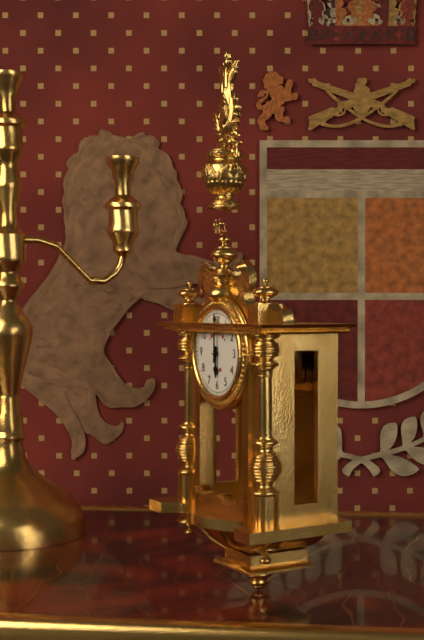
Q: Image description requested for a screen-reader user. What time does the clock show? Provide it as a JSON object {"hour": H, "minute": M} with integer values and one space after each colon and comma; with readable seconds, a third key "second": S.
{"hour": 6, "minute": 0}
